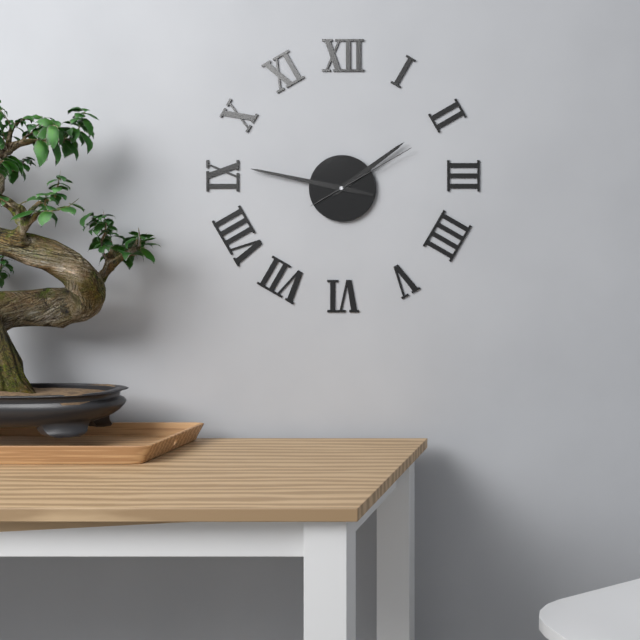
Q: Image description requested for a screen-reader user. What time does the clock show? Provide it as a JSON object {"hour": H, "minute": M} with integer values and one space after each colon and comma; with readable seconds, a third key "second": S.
{"hour": 1, "minute": 47, "second": 10}
